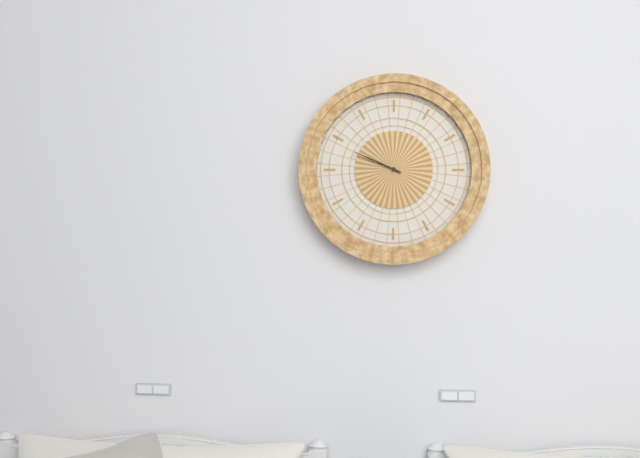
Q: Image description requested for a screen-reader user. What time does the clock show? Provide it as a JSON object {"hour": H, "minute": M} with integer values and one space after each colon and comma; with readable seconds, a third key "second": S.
{"hour": 9, "minute": 49}
